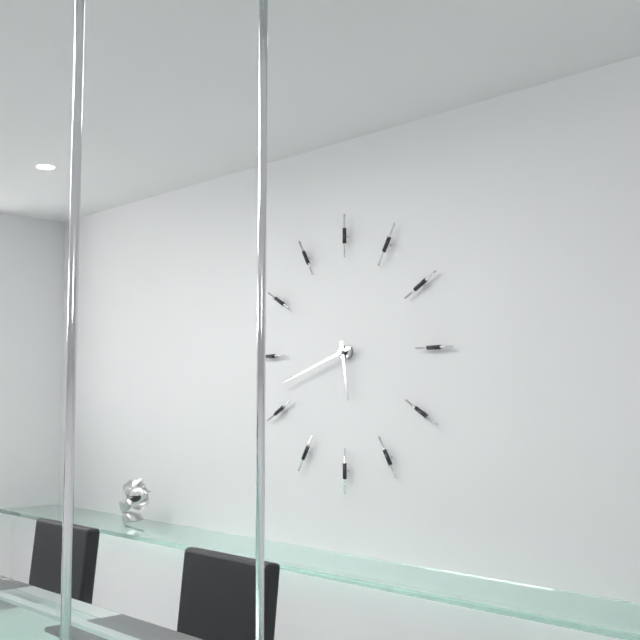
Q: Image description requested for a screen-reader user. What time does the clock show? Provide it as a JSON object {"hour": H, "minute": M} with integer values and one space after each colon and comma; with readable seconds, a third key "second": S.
{"hour": 5, "minute": 42}
